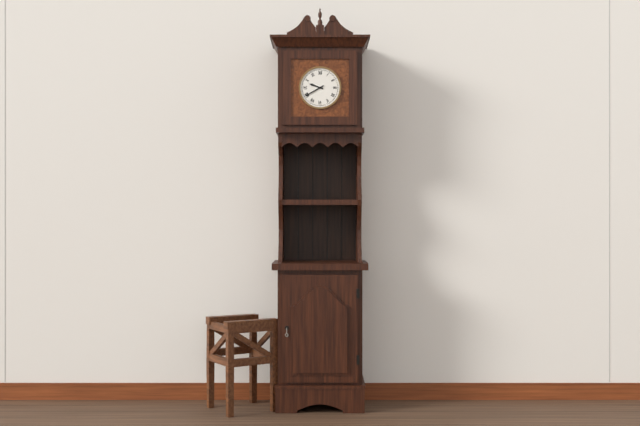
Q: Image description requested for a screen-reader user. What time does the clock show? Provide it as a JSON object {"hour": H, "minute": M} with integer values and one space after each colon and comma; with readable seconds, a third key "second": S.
{"hour": 9, "minute": 40}
